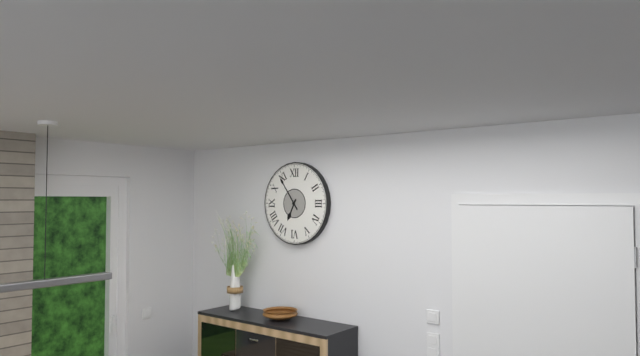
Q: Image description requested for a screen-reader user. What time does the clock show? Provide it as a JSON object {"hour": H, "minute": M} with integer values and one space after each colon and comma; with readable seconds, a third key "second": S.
{"hour": 6, "minute": 54}
